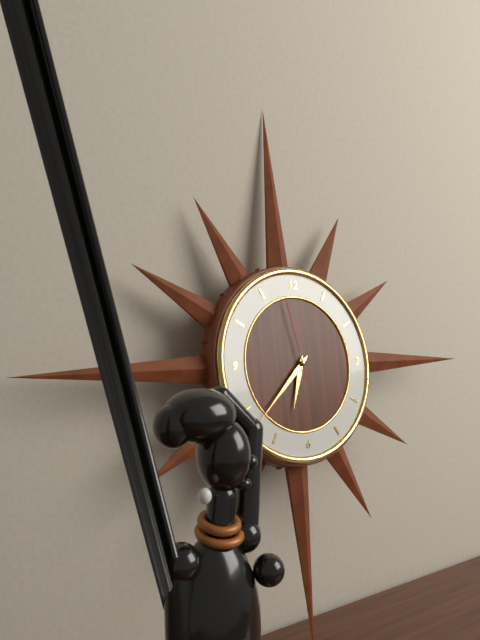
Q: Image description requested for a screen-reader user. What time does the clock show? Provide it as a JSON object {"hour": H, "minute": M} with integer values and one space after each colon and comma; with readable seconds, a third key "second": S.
{"hour": 6, "minute": 38, "second": 58}
